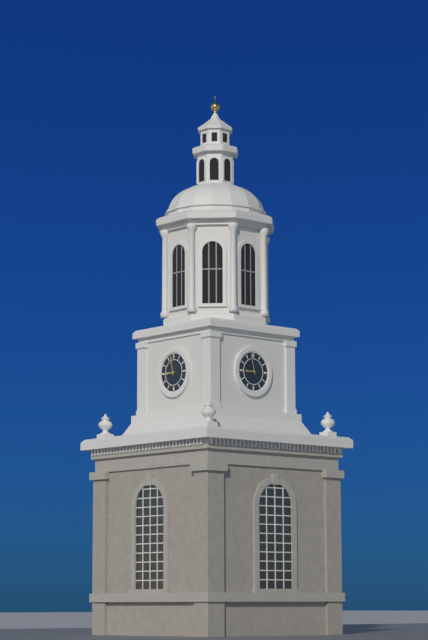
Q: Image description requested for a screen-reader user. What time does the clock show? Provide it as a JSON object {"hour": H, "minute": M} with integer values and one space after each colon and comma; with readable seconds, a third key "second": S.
{"hour": 8, "minute": 58}
